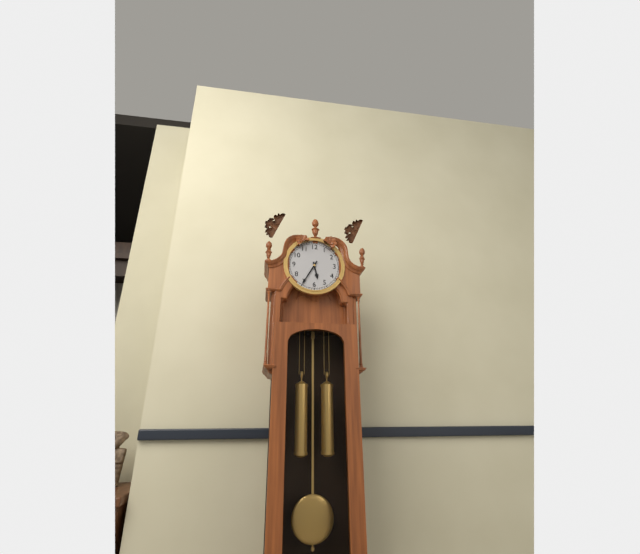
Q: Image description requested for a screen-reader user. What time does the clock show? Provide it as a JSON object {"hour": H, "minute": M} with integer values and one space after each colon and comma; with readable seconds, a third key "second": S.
{"hour": 5, "minute": 35}
